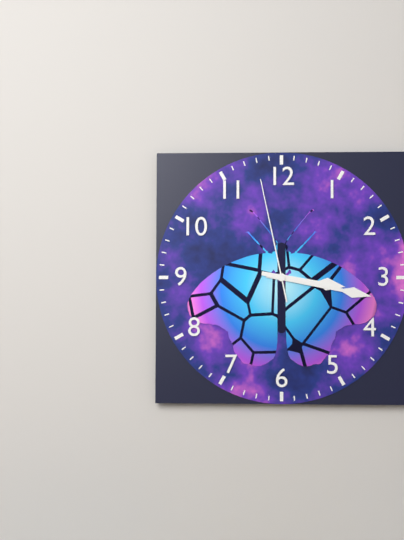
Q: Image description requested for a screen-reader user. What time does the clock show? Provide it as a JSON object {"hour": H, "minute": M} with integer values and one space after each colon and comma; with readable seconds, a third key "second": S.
{"hour": 3, "minute": 17, "second": 58}
